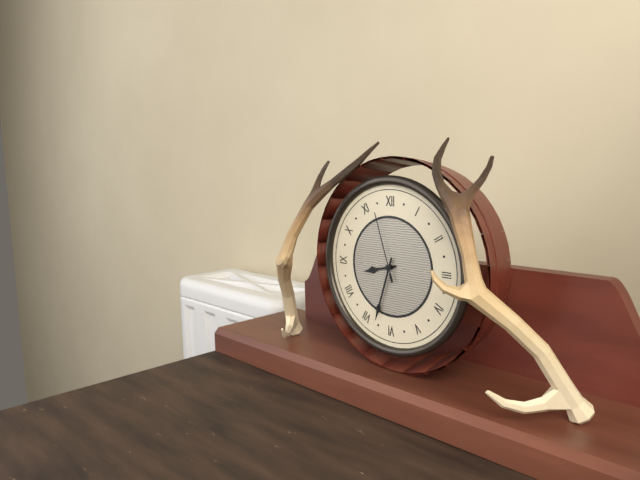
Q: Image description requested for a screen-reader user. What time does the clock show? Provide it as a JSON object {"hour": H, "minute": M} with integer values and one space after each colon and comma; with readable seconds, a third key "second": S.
{"hour": 8, "minute": 33, "second": 57}
